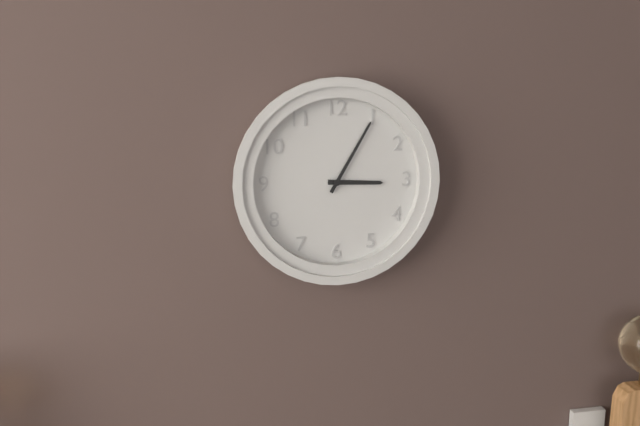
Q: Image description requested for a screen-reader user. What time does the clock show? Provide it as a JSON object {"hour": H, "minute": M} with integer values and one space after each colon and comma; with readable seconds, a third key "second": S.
{"hour": 3, "minute": 5}
